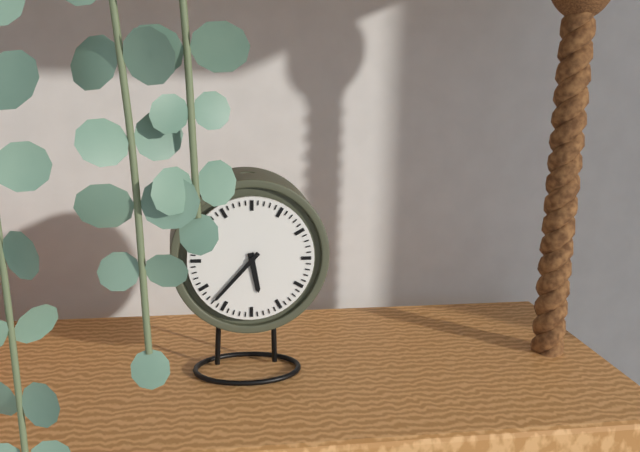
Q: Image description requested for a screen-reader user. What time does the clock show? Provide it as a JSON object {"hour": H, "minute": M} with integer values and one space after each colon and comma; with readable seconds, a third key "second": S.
{"hour": 5, "minute": 37}
